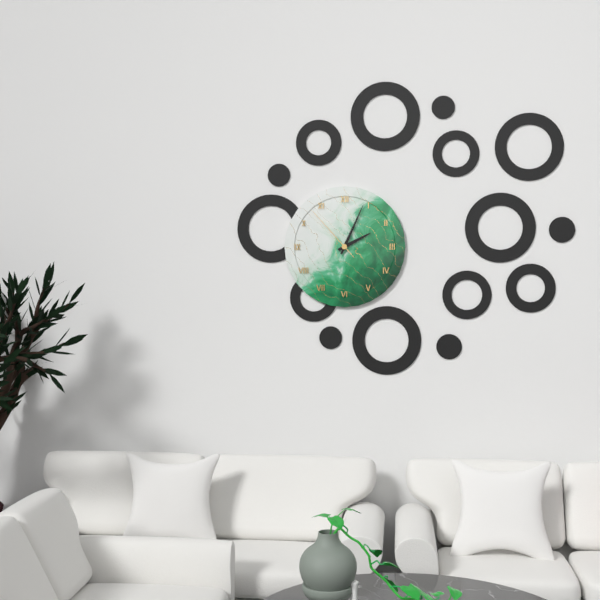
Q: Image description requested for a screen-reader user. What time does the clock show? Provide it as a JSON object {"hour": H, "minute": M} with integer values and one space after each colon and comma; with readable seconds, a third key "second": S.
{"hour": 2, "minute": 4, "second": 53}
